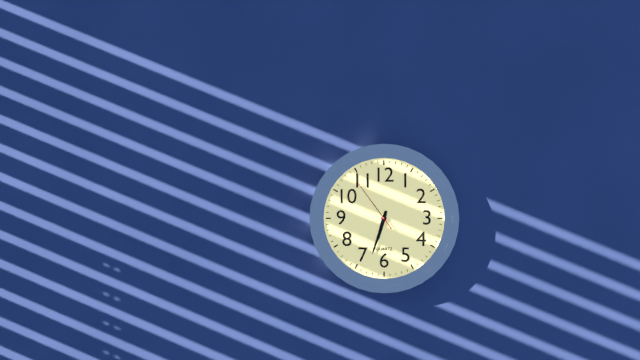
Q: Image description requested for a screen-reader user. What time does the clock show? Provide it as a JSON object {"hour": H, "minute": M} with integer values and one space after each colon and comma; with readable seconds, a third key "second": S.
{"hour": 6, "minute": 33, "second": 54}
